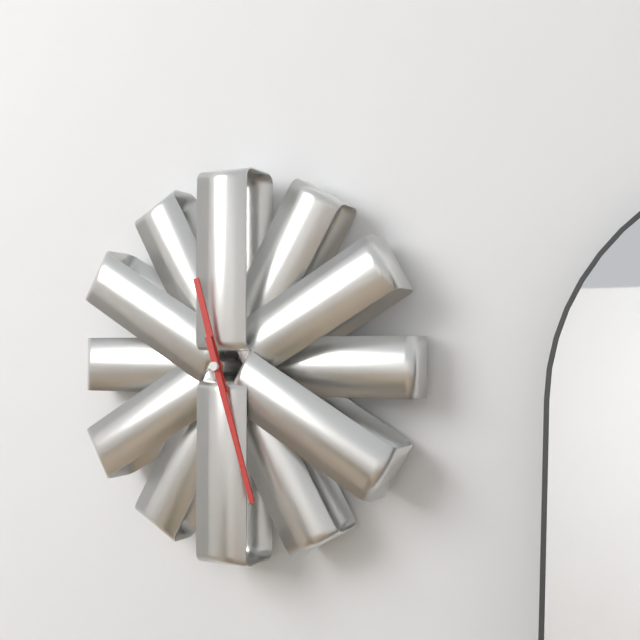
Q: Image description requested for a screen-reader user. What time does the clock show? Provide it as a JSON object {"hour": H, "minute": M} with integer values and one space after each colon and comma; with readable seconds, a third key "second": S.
{"hour": 11, "minute": 27}
